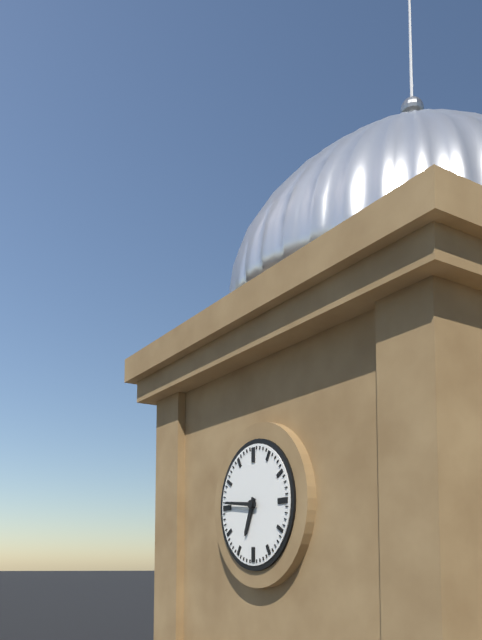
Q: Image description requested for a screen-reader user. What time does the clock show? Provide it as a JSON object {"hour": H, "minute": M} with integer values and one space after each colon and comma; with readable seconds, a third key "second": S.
{"hour": 6, "minute": 46}
